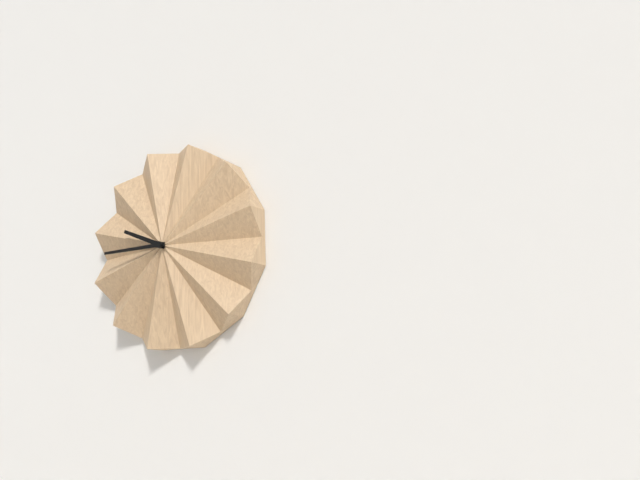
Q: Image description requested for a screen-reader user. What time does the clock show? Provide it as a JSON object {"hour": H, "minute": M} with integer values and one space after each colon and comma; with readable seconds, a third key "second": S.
{"hour": 9, "minute": 45}
